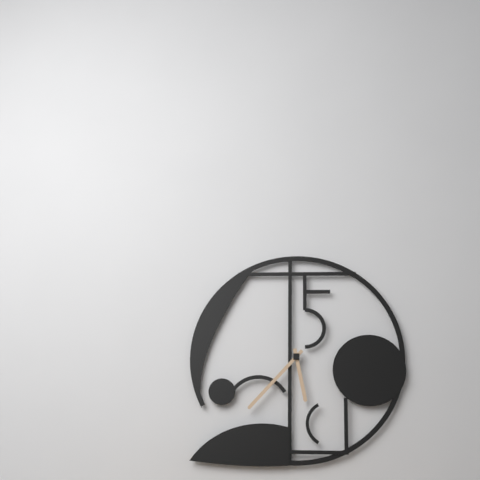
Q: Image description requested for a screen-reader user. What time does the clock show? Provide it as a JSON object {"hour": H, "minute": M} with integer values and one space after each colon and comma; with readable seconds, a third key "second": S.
{"hour": 5, "minute": 37}
